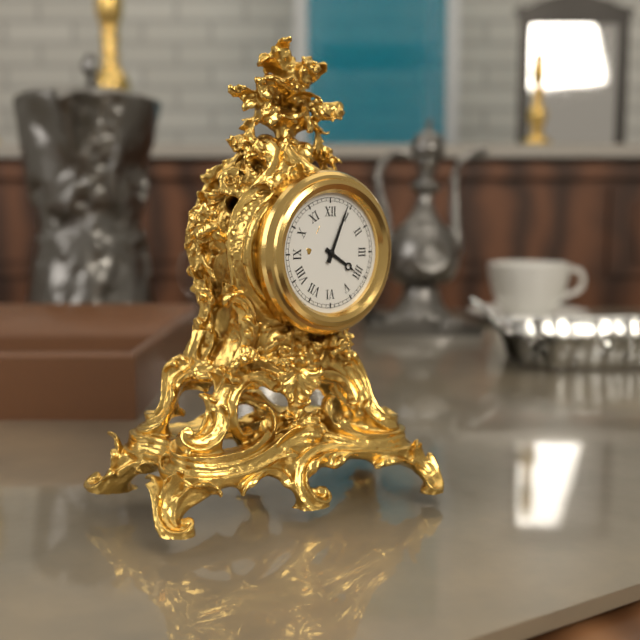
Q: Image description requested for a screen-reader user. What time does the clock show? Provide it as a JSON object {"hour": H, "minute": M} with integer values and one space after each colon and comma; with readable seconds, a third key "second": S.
{"hour": 4, "minute": 4}
